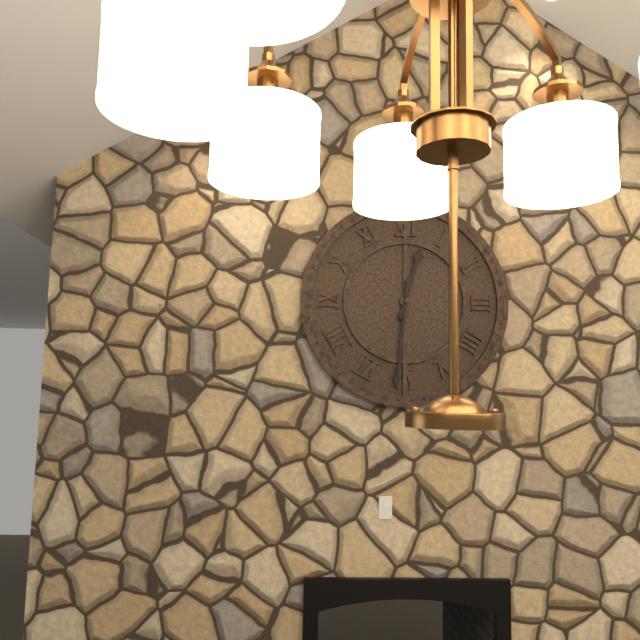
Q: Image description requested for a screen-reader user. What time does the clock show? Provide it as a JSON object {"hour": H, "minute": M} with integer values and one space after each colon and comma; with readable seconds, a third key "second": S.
{"hour": 12, "minute": 31}
